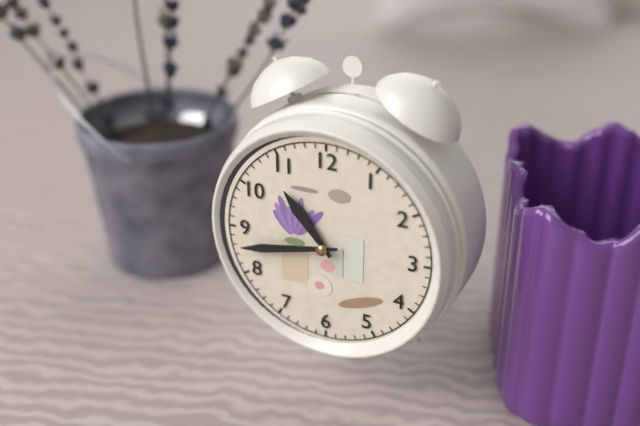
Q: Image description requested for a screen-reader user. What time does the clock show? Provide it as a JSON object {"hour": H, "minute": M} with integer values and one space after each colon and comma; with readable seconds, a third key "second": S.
{"hour": 10, "minute": 43}
